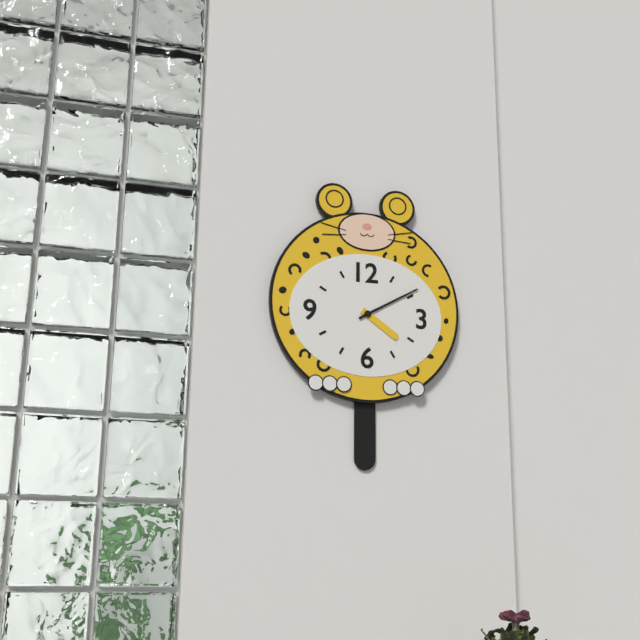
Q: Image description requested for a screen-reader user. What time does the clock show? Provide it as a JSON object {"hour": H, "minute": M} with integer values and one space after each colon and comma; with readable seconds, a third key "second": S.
{"hour": 4, "minute": 10}
